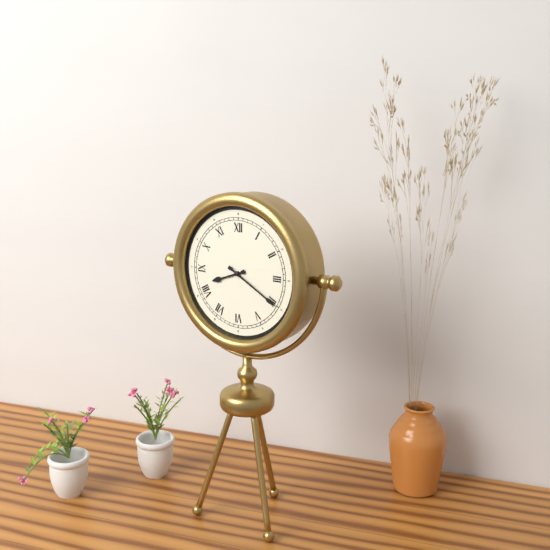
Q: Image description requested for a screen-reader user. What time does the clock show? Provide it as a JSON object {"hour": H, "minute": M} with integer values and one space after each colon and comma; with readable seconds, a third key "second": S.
{"hour": 8, "minute": 20}
